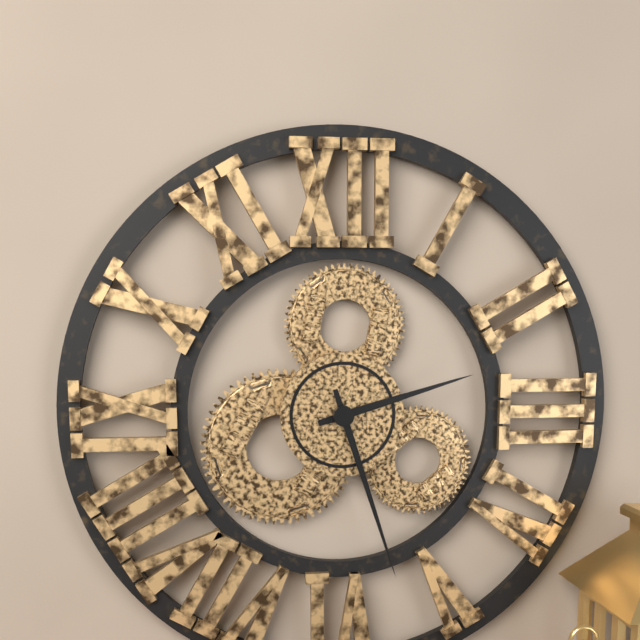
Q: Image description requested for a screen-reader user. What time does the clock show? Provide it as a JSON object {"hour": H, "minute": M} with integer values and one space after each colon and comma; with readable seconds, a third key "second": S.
{"hour": 2, "minute": 27}
